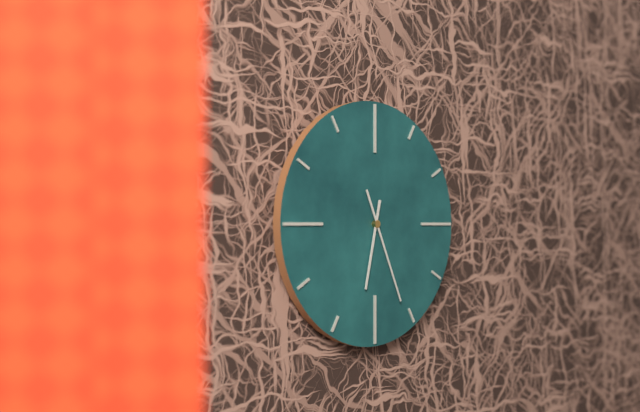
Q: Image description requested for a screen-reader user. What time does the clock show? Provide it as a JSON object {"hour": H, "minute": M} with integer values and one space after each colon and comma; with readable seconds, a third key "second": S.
{"hour": 6, "minute": 26}
